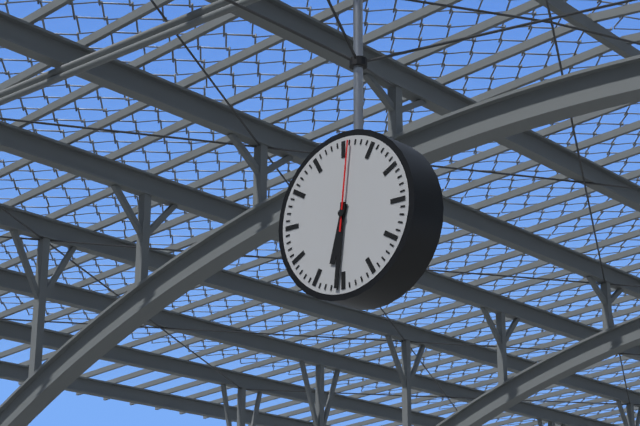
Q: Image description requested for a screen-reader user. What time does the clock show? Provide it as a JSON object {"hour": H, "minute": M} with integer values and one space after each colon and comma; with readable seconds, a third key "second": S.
{"hour": 6, "minute": 31, "second": 1}
